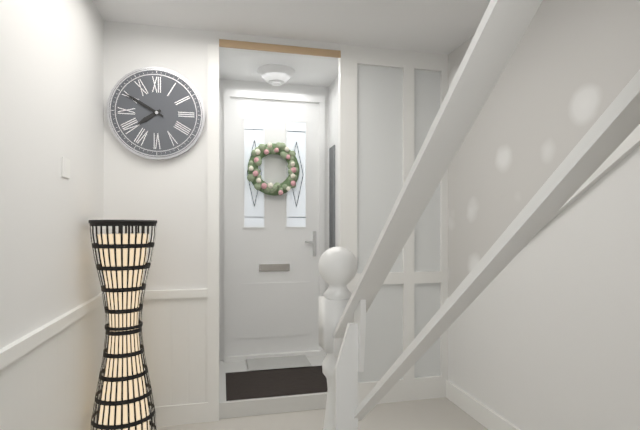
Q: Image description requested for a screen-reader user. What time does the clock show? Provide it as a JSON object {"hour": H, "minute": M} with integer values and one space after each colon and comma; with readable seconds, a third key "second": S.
{"hour": 7, "minute": 50}
